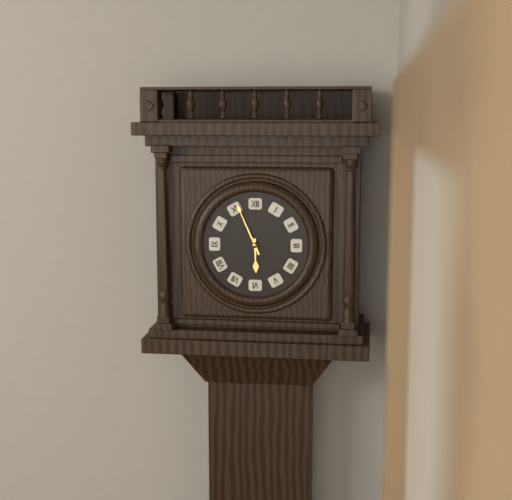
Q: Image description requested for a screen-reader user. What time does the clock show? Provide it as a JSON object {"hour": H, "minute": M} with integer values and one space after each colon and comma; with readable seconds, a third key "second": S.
{"hour": 5, "minute": 56}
